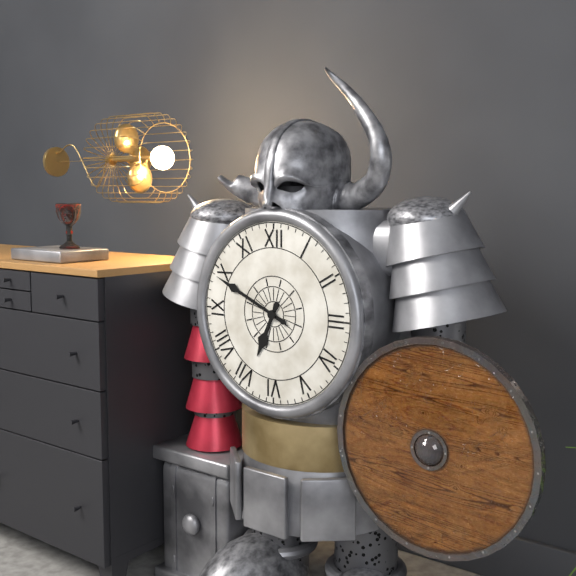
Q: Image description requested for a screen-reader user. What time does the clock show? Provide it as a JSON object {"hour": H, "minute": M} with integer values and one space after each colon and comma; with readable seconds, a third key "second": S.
{"hour": 6, "minute": 49}
